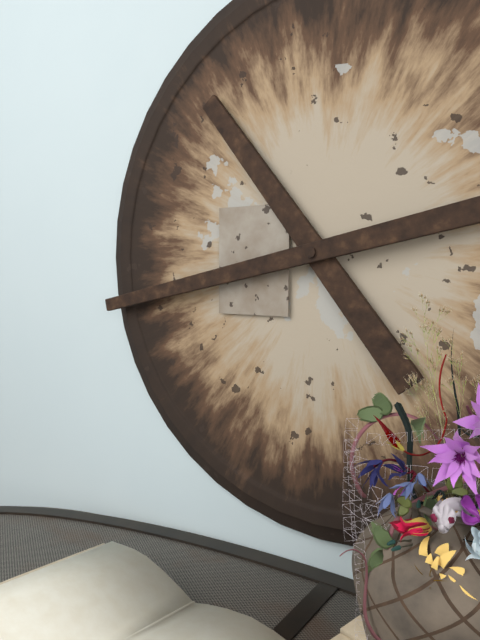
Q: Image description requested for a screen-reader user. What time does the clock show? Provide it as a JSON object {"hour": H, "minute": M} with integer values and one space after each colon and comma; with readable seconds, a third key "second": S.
{"hour": 10, "minute": 43}
